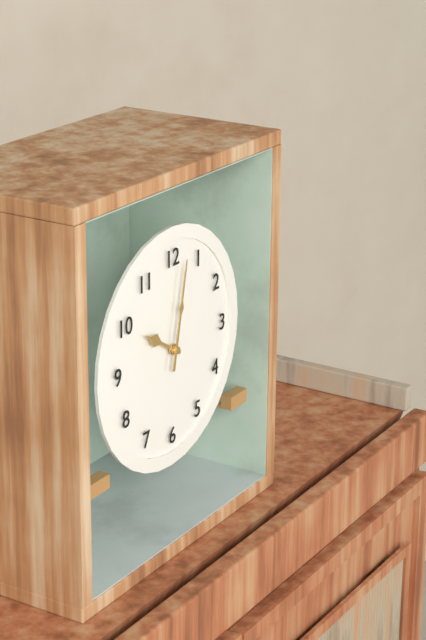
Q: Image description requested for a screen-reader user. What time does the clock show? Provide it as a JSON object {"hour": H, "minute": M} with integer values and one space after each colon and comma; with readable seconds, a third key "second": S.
{"hour": 10, "minute": 2}
